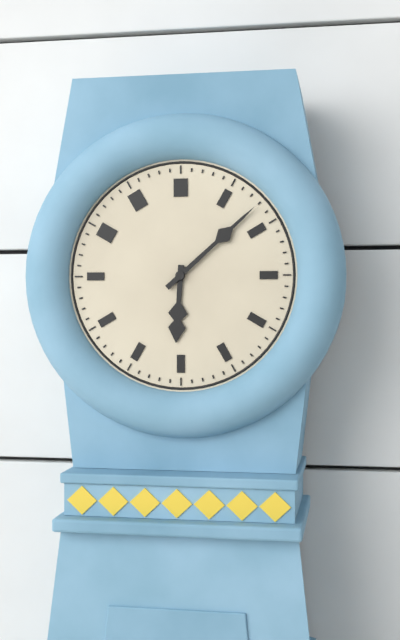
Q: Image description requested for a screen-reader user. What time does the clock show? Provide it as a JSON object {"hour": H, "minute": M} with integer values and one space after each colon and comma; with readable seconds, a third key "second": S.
{"hour": 6, "minute": 8}
